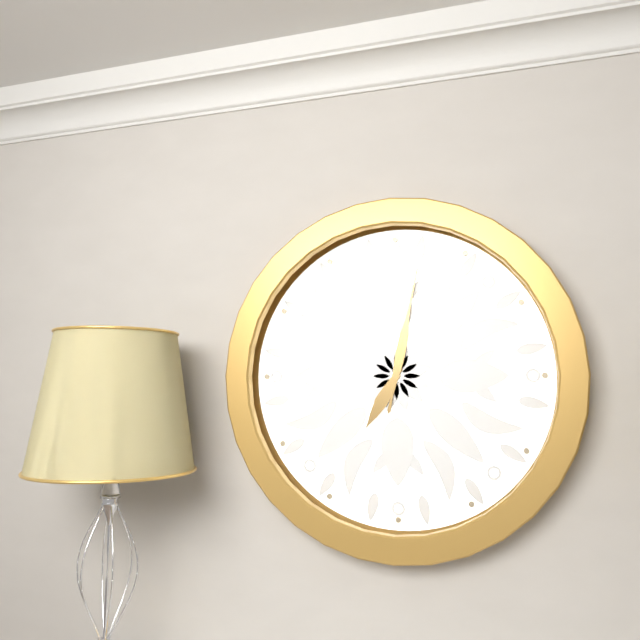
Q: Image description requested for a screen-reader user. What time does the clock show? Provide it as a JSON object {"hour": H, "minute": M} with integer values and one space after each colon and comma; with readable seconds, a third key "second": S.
{"hour": 7, "minute": 2}
